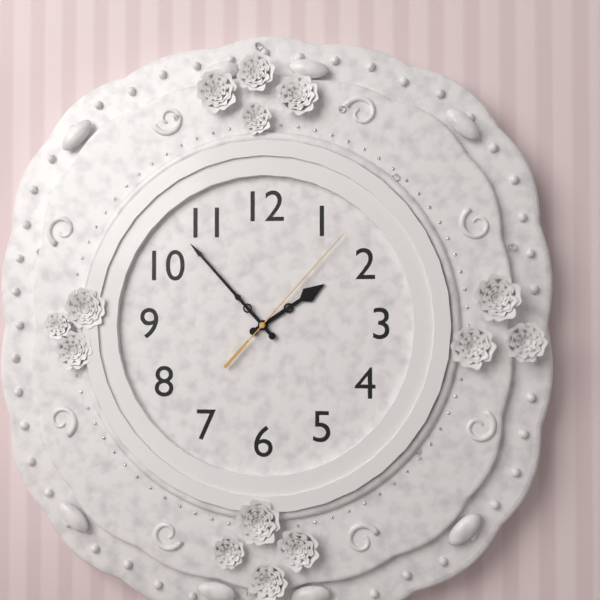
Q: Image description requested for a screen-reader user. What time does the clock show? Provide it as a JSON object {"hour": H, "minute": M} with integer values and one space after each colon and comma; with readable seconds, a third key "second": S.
{"hour": 1, "minute": 53, "second": 7}
